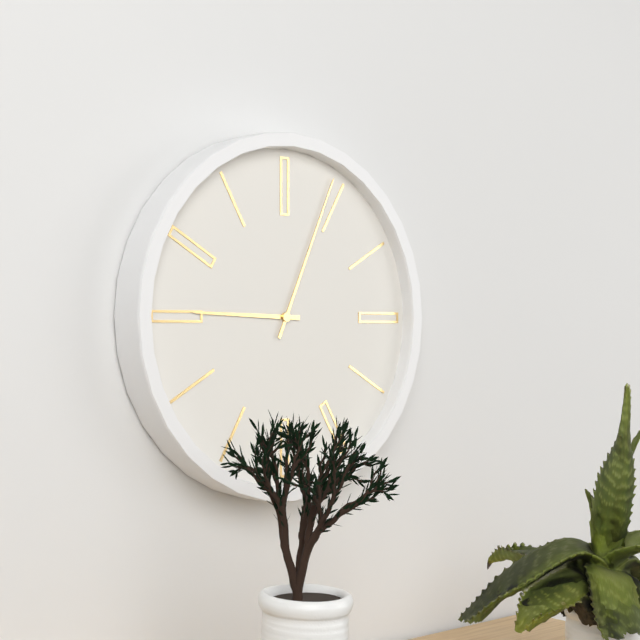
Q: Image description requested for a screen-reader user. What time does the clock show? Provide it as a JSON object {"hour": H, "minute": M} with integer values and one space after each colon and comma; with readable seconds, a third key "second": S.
{"hour": 9, "minute": 4}
